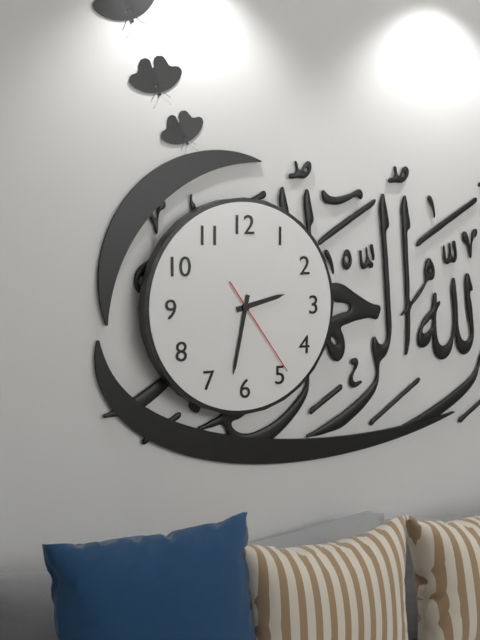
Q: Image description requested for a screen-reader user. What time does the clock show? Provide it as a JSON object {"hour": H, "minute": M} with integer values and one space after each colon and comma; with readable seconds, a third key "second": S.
{"hour": 2, "minute": 32, "second": 24}
